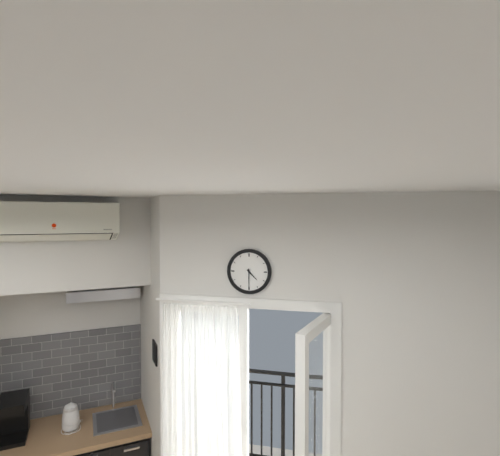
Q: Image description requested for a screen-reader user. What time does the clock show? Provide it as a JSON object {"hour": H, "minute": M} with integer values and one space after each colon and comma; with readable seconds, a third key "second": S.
{"hour": 4, "minute": 30}
